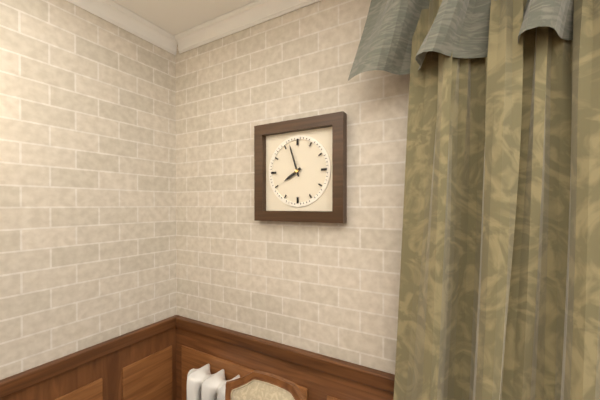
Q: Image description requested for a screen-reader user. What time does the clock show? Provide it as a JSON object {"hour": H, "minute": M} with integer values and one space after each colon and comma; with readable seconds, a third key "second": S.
{"hour": 7, "minute": 57}
